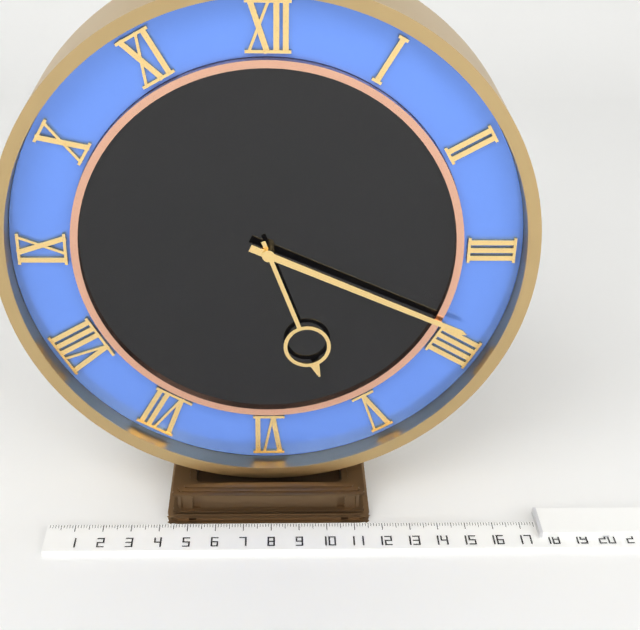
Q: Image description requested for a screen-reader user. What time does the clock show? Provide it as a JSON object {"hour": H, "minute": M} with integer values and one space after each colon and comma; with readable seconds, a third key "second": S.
{"hour": 5, "minute": 19}
